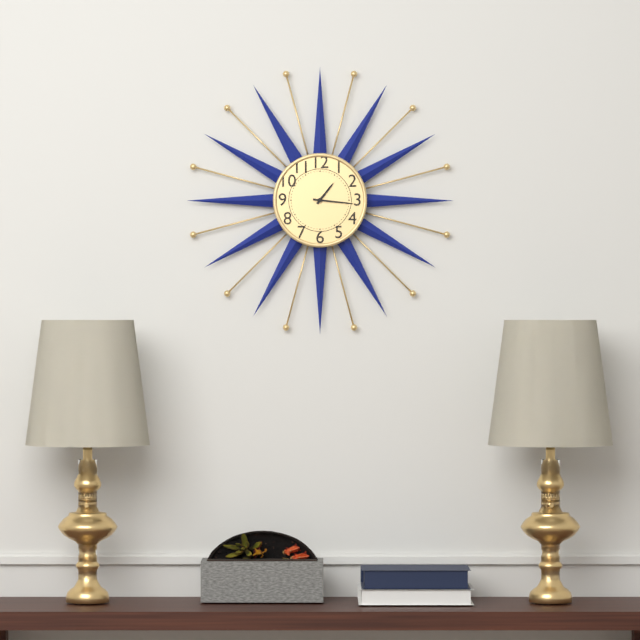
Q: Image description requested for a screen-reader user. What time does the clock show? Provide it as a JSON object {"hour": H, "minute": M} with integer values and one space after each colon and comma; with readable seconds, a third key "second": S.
{"hour": 1, "minute": 16}
